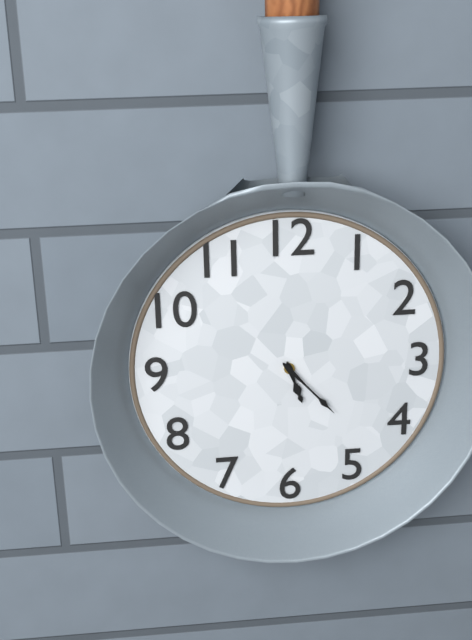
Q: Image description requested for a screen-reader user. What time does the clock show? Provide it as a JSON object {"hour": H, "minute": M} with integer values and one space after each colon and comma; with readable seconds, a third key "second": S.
{"hour": 5, "minute": 23}
